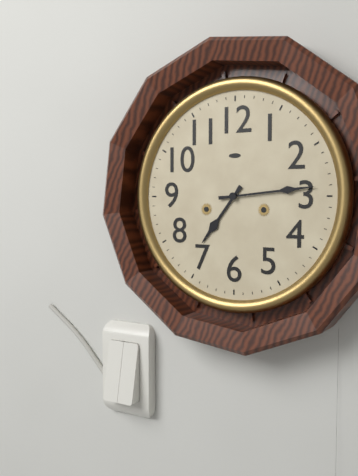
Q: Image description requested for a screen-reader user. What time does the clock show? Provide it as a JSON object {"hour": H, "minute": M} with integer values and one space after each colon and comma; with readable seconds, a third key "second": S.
{"hour": 7, "minute": 14}
